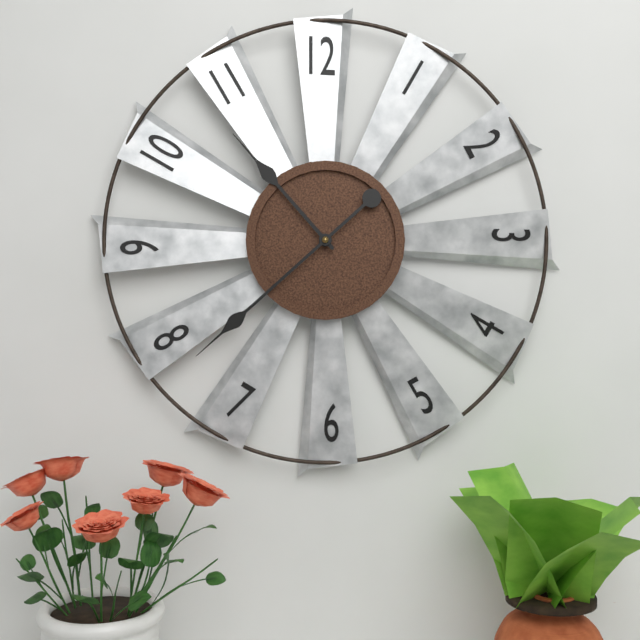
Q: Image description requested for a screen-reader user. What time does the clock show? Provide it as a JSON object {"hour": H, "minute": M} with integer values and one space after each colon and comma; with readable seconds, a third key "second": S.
{"hour": 10, "minute": 38}
